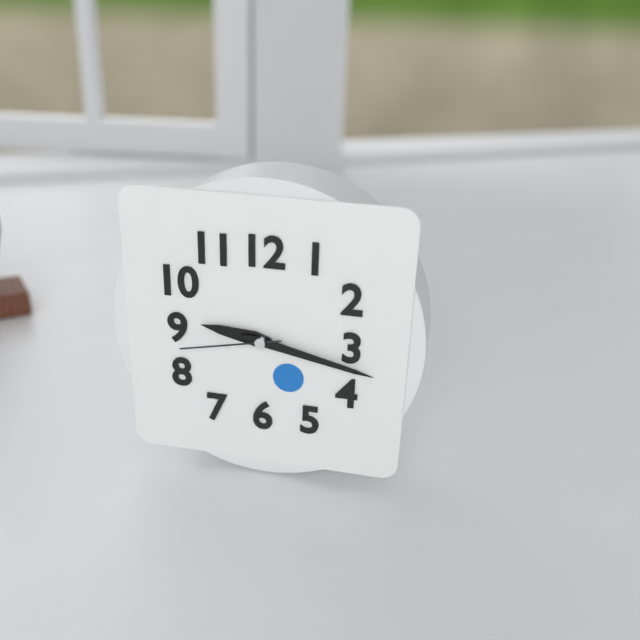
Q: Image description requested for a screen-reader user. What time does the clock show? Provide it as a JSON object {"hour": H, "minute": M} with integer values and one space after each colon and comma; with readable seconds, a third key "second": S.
{"hour": 9, "minute": 17, "second": 43}
